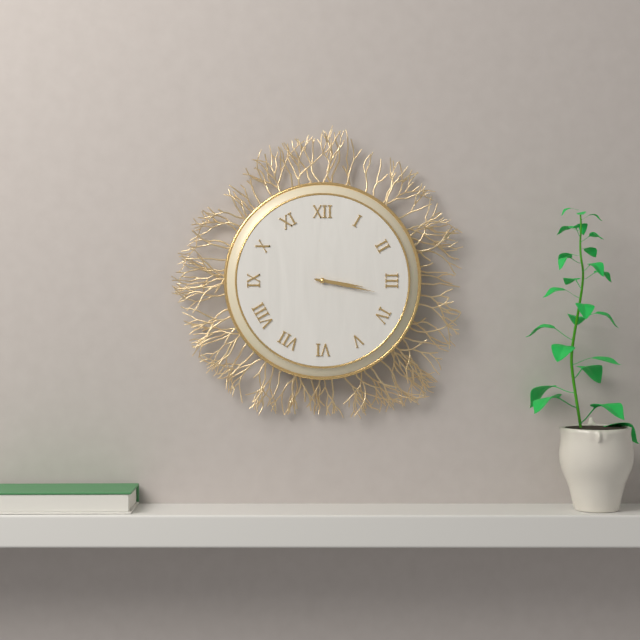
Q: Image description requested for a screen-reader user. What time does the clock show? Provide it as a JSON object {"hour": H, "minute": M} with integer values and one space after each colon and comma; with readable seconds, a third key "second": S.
{"hour": 3, "minute": 17}
